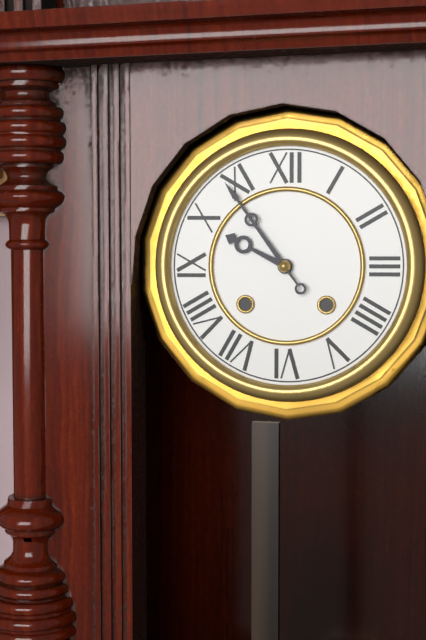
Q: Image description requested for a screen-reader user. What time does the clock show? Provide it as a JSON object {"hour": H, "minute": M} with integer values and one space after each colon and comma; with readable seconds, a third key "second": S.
{"hour": 9, "minute": 54}
